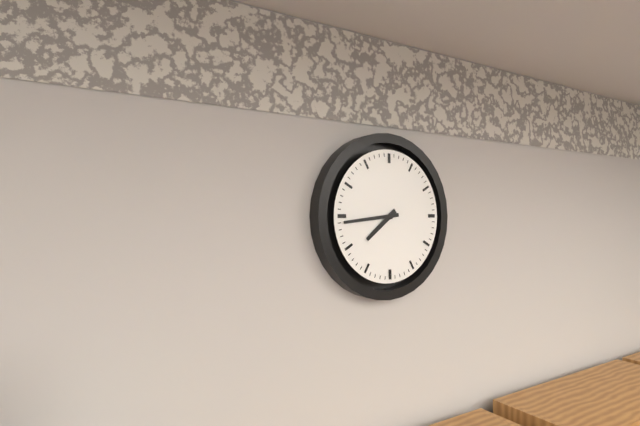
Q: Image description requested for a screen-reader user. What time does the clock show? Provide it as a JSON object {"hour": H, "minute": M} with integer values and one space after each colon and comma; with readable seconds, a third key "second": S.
{"hour": 7, "minute": 44}
